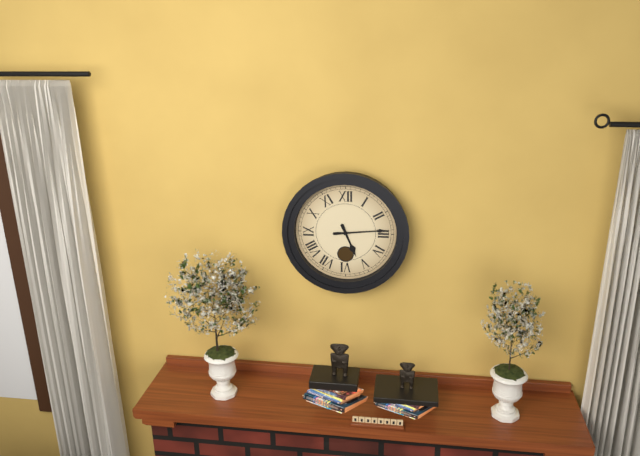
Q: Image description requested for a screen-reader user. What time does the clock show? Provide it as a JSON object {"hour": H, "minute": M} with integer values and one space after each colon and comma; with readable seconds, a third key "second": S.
{"hour": 5, "minute": 14}
